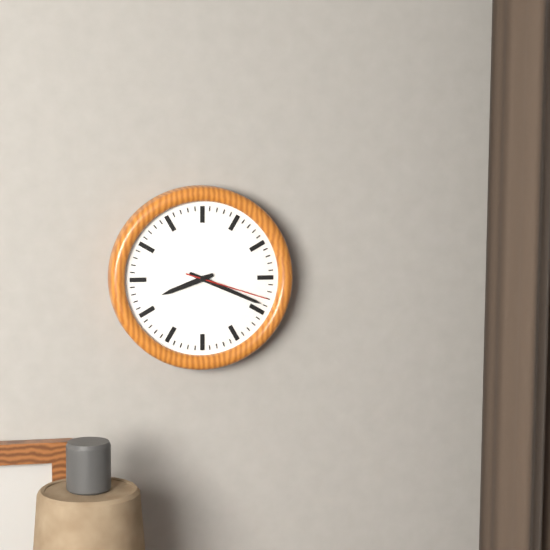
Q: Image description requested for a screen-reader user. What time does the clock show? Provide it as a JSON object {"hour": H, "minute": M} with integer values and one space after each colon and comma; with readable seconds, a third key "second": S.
{"hour": 8, "minute": 19, "second": 18}
